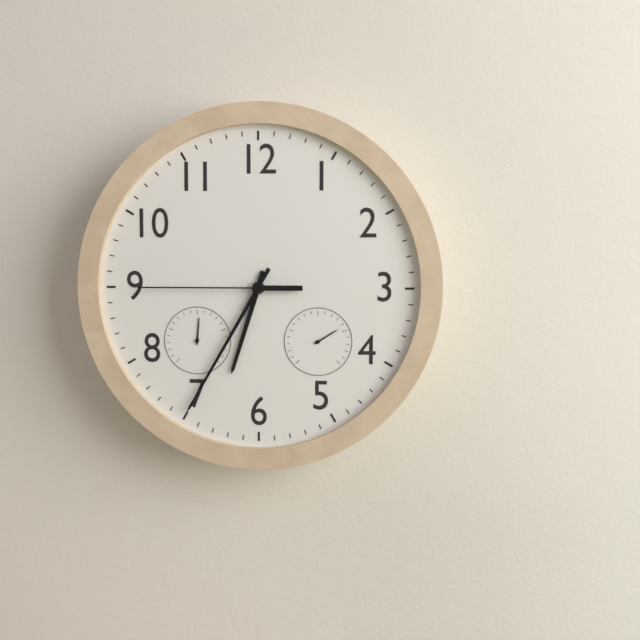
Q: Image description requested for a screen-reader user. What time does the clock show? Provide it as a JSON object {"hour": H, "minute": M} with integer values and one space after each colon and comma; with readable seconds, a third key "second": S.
{"hour": 6, "minute": 35, "second": 45}
